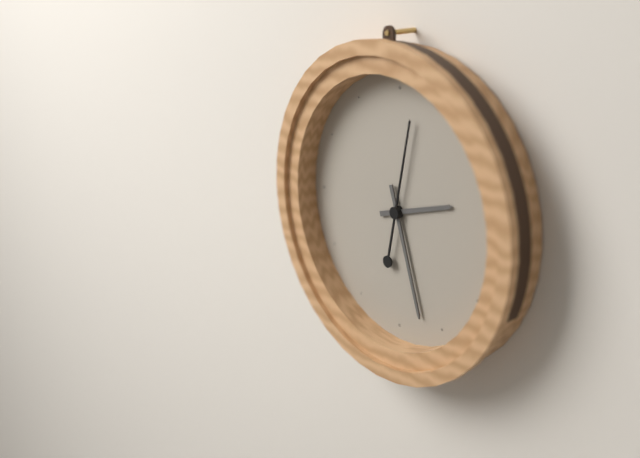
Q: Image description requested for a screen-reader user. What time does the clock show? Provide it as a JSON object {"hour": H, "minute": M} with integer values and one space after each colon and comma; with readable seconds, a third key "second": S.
{"hour": 2, "minute": 27, "second": 2}
